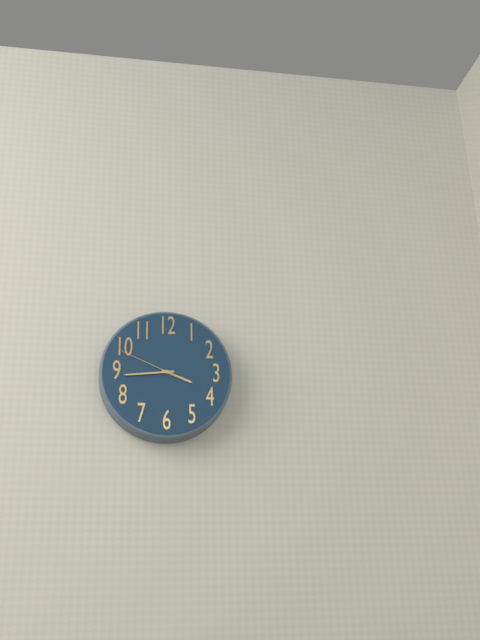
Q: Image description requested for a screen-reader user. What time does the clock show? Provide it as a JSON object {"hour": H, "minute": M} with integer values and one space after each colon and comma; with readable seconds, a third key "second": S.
{"hour": 3, "minute": 44, "second": 49}
